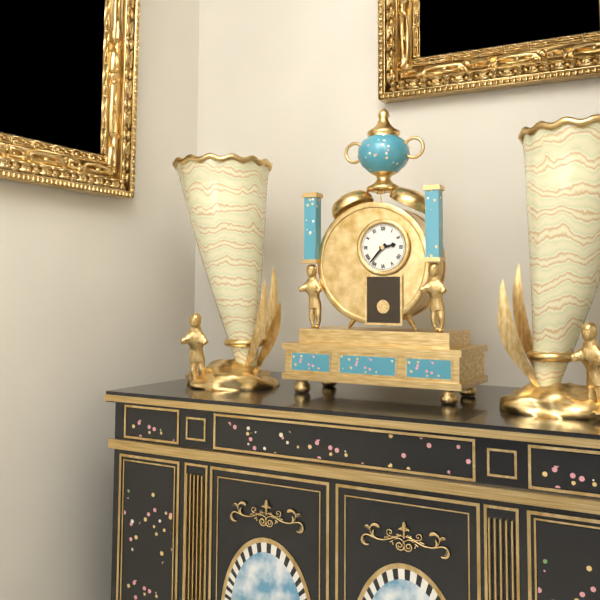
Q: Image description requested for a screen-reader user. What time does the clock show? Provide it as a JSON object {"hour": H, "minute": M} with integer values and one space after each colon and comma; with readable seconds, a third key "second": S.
{"hour": 2, "minute": 37}
